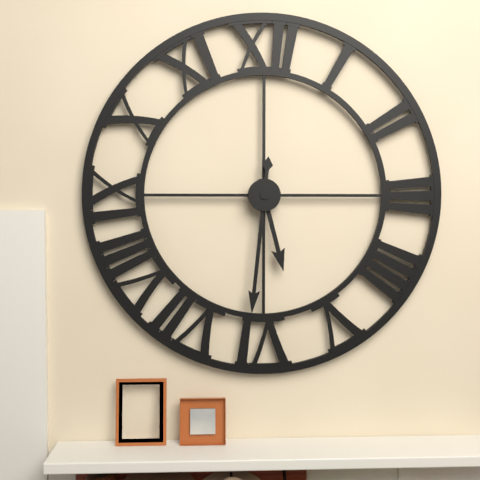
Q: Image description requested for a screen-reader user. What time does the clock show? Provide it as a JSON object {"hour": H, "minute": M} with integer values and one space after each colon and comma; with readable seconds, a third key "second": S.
{"hour": 5, "minute": 31}
